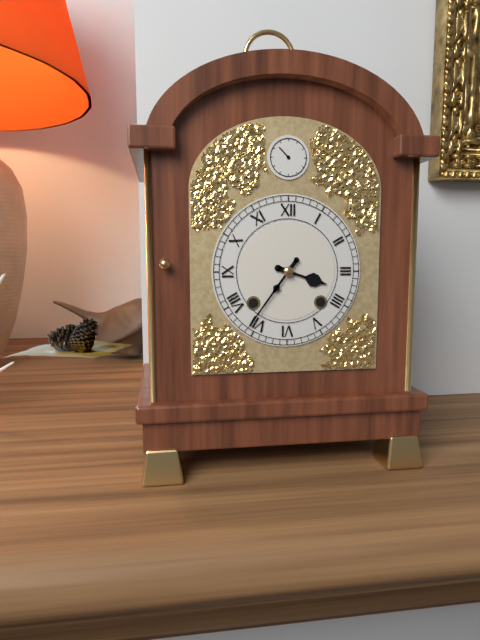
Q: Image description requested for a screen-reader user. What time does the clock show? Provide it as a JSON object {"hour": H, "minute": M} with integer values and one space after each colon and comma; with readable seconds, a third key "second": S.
{"hour": 3, "minute": 36}
